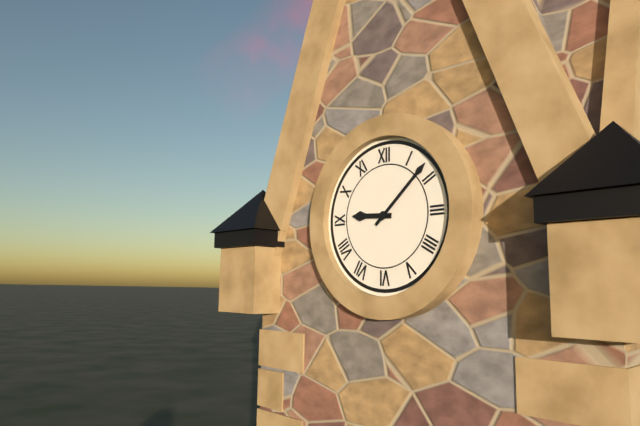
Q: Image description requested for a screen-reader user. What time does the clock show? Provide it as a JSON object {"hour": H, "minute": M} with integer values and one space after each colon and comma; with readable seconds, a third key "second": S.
{"hour": 9, "minute": 8}
